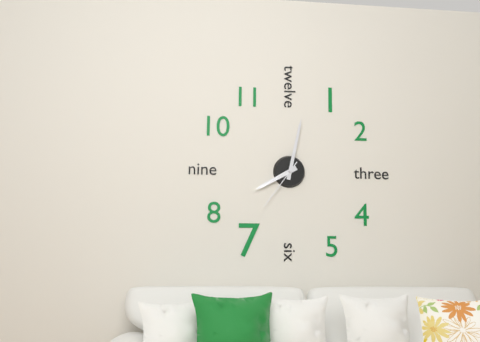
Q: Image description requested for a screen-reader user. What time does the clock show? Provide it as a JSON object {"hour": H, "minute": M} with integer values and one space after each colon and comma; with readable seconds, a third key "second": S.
{"hour": 8, "minute": 2, "second": 36}
